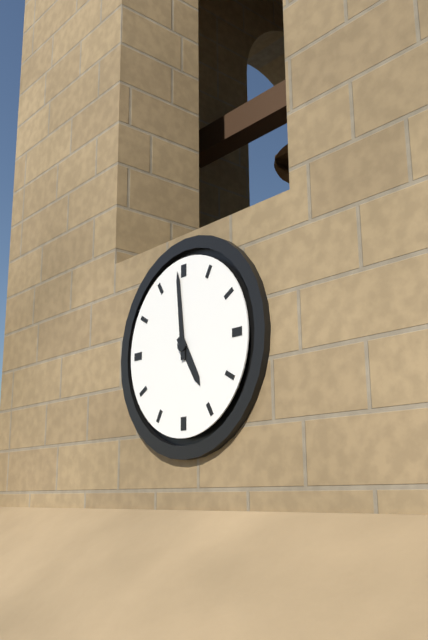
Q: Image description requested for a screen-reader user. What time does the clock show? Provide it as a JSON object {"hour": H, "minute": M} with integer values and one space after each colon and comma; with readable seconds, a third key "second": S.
{"hour": 4, "minute": 59}
